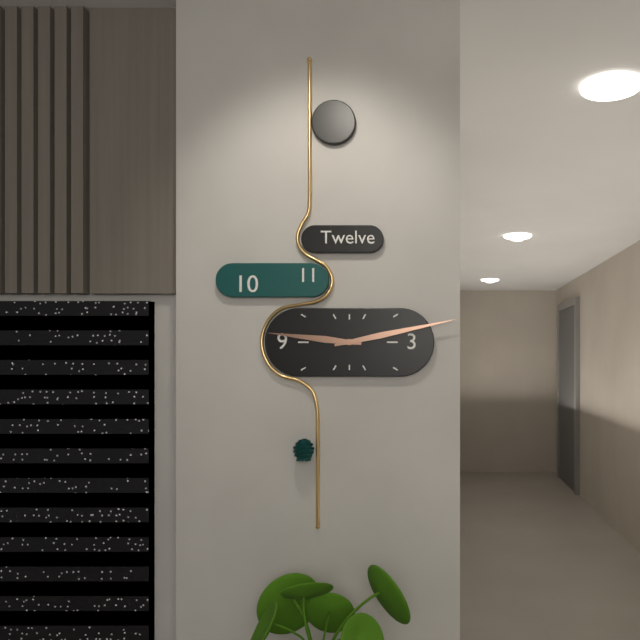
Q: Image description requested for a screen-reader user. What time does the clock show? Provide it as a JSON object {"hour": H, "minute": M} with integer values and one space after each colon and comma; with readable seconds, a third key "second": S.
{"hour": 9, "minute": 13}
